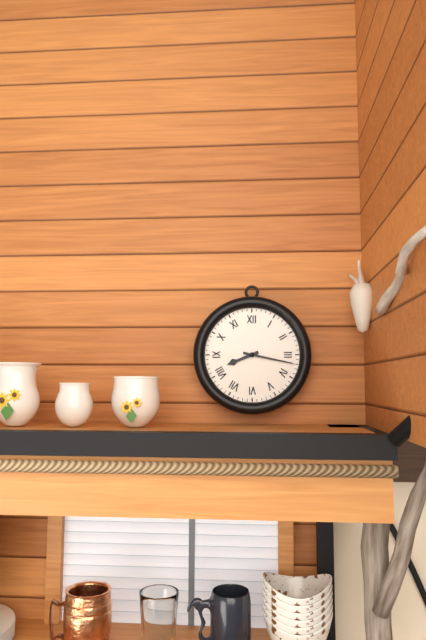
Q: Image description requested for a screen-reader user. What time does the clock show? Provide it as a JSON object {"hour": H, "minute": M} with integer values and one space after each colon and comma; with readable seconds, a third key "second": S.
{"hour": 8, "minute": 17}
